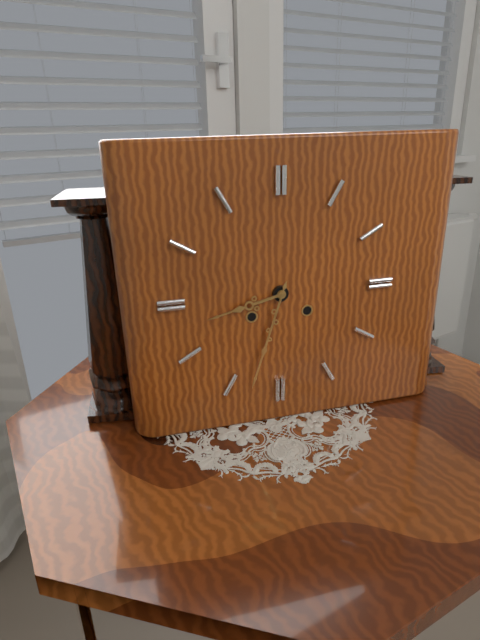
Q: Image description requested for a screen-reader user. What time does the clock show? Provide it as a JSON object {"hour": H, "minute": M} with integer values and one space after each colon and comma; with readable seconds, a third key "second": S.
{"hour": 8, "minute": 33}
